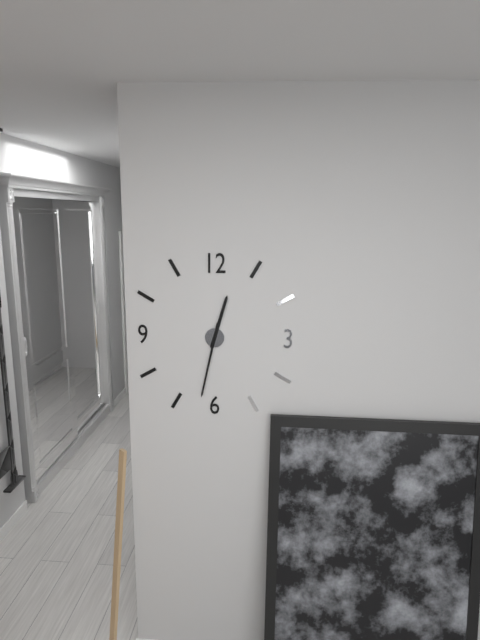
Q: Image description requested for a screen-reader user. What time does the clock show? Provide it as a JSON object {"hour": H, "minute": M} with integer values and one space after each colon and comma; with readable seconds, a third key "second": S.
{"hour": 12, "minute": 32}
